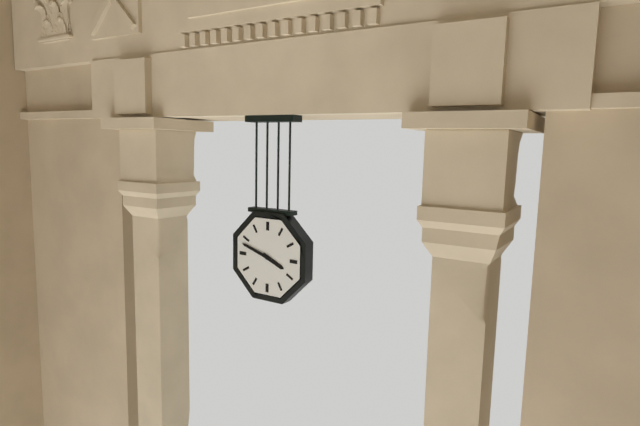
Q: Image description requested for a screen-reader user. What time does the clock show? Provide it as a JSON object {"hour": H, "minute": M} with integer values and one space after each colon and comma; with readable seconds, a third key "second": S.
{"hour": 3, "minute": 48}
